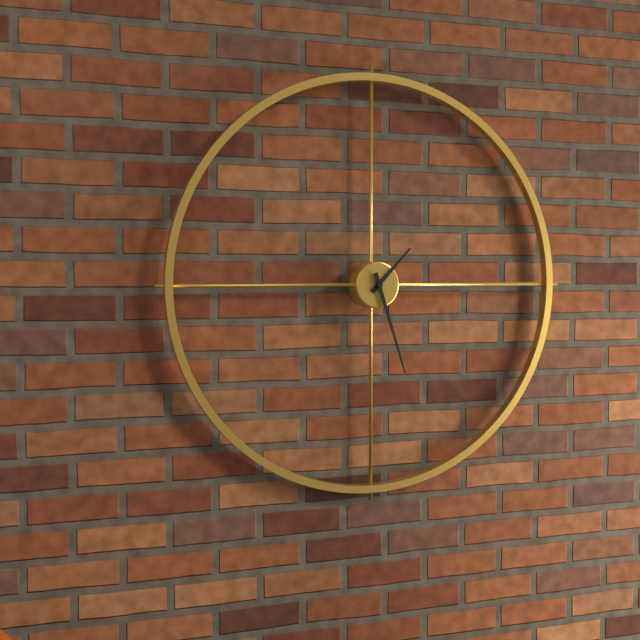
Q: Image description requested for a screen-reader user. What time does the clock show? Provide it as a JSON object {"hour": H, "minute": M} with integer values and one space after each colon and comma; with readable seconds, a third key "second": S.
{"hour": 1, "minute": 27}
